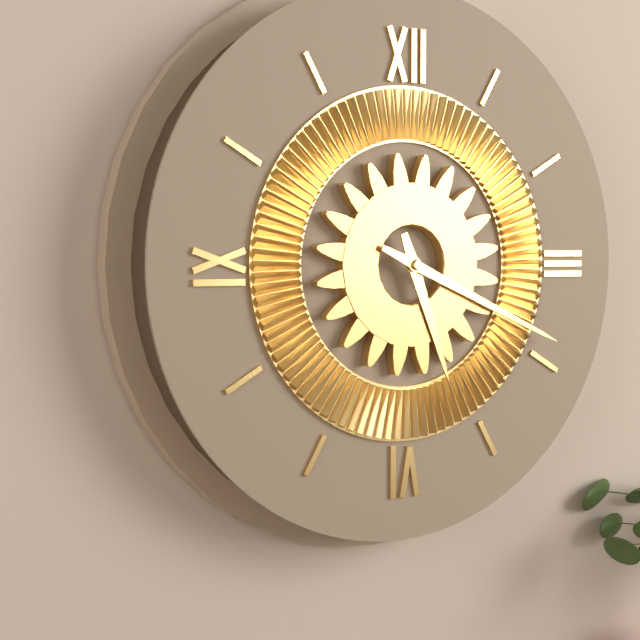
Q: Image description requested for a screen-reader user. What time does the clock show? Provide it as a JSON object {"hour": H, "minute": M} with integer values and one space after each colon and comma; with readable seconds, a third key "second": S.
{"hour": 5, "minute": 19}
